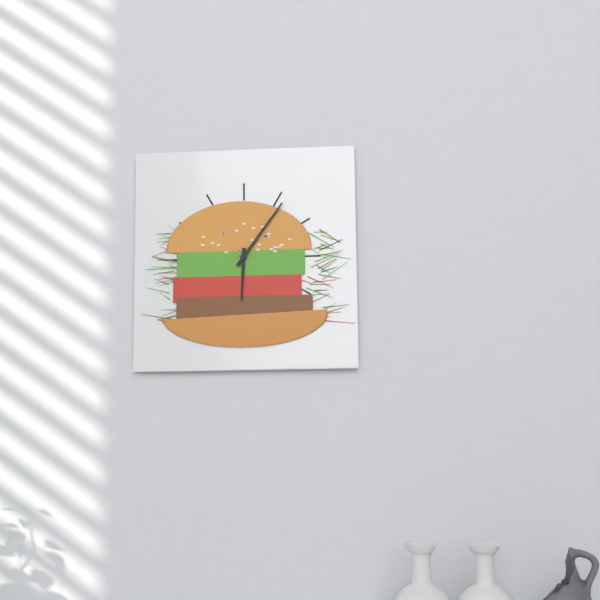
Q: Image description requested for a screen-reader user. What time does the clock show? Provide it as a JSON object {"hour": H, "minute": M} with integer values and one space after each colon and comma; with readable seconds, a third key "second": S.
{"hour": 6, "minute": 6}
